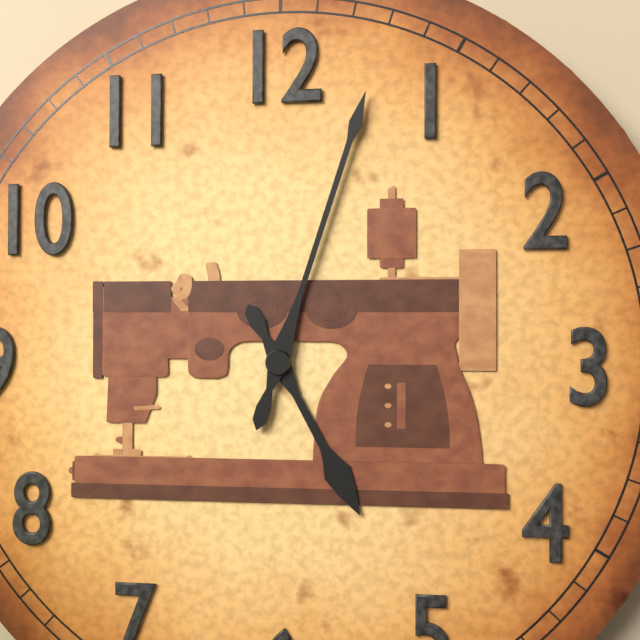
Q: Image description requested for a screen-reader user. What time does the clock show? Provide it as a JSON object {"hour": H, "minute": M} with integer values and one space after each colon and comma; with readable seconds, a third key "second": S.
{"hour": 5, "minute": 3}
